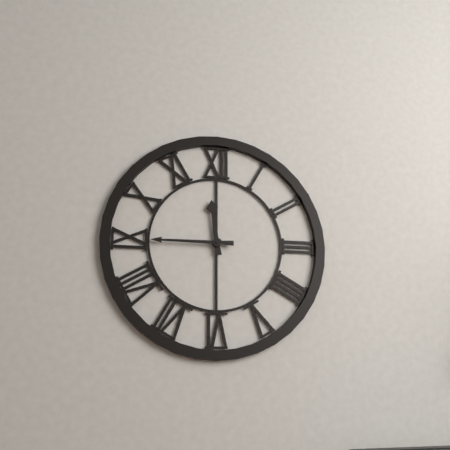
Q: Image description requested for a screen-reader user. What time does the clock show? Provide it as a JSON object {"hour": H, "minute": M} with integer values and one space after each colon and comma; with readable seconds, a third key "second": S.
{"hour": 11, "minute": 45}
